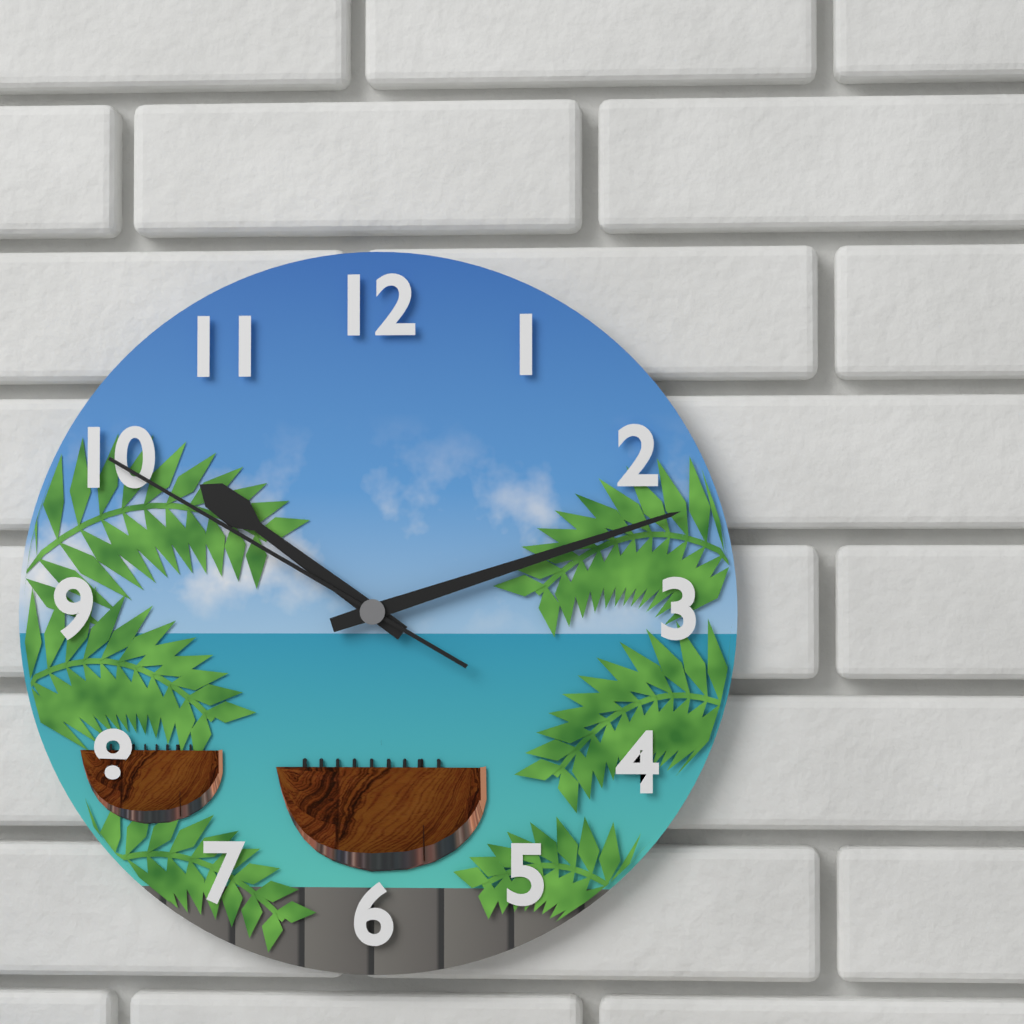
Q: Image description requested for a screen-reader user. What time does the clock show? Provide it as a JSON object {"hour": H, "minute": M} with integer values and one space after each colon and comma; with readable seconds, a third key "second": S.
{"hour": 10, "minute": 12, "second": 50}
